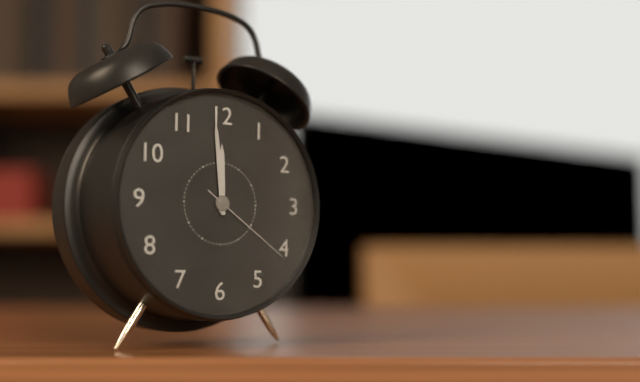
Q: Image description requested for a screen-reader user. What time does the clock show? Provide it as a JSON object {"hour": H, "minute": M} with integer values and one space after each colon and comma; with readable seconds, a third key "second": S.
{"hour": 11, "minute": 59, "second": 21}
